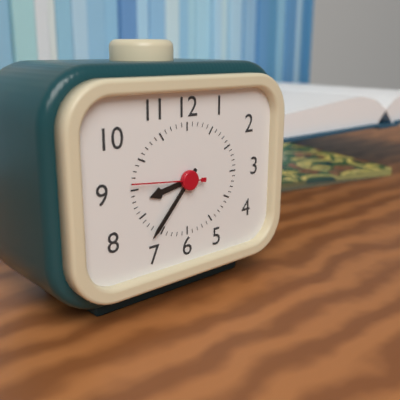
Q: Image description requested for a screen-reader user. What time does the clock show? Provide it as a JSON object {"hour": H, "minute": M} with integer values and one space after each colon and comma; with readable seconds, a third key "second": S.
{"hour": 8, "minute": 37, "second": 46}
